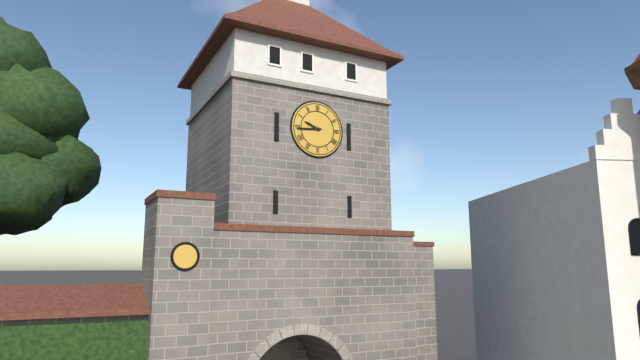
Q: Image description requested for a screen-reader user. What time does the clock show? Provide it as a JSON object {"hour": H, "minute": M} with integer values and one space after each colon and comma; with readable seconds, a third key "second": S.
{"hour": 9, "minute": 44}
